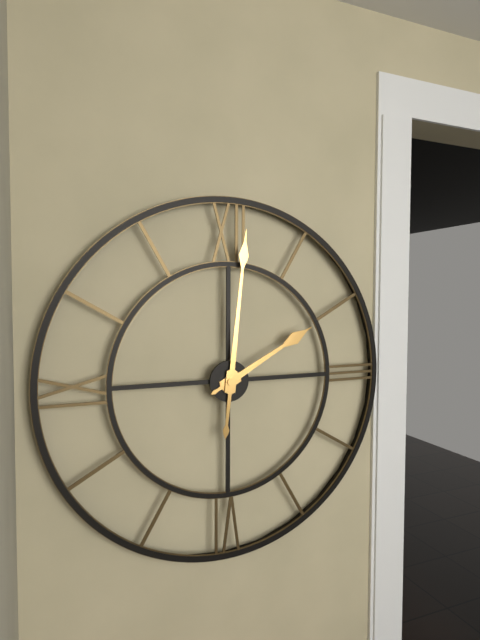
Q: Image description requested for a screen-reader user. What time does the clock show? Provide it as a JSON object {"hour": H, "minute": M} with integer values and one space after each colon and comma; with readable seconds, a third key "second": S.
{"hour": 2, "minute": 1}
